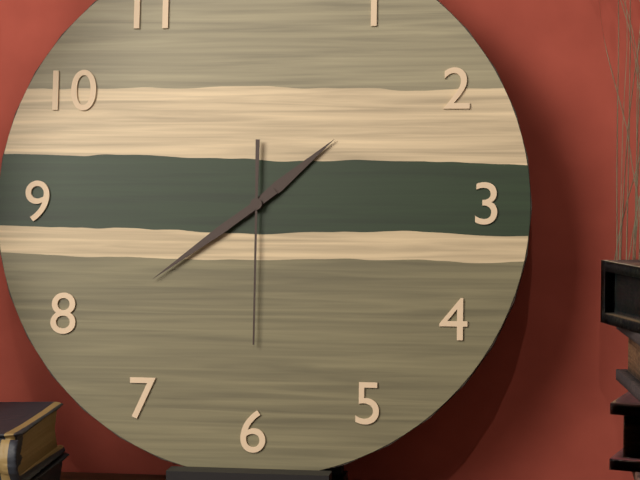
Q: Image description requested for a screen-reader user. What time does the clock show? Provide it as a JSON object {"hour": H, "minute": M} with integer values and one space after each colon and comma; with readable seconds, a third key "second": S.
{"hour": 1, "minute": 39, "second": 30}
